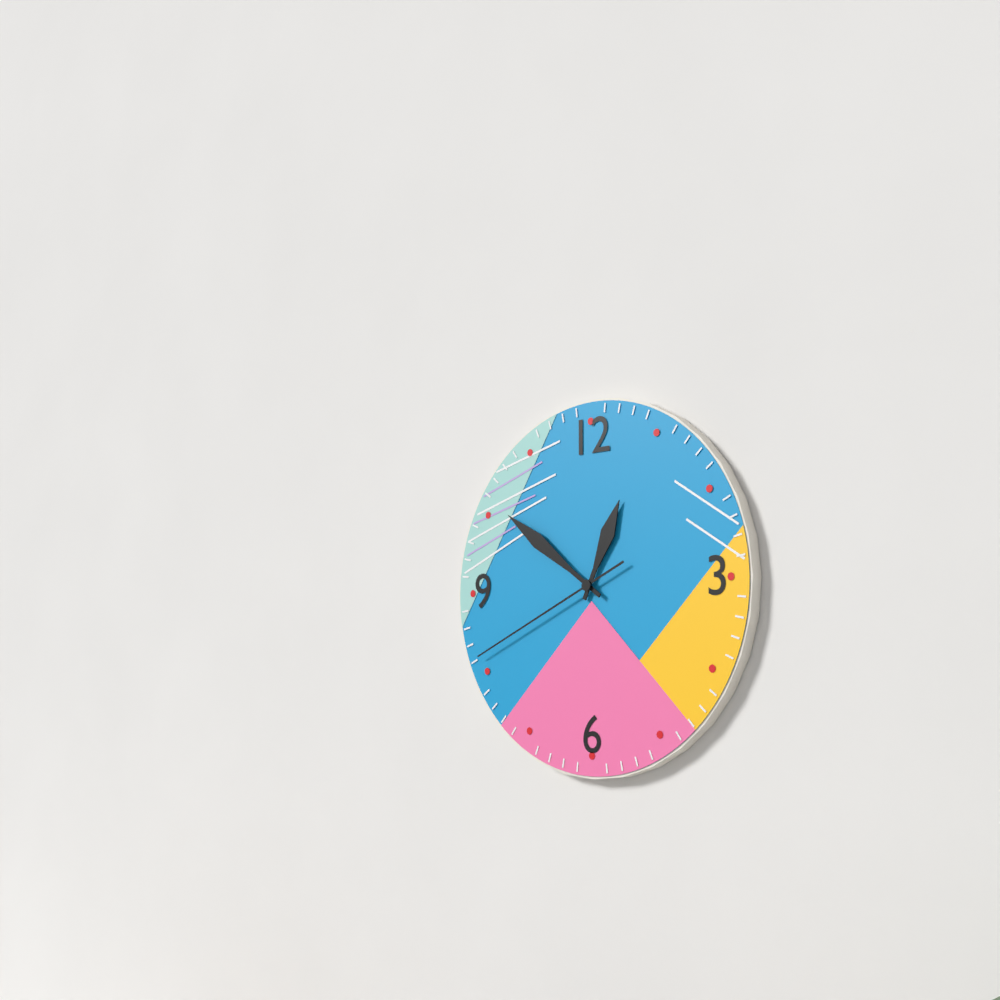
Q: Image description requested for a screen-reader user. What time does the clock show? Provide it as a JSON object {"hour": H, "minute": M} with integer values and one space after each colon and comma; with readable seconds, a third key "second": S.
{"hour": 12, "minute": 51, "second": 41}
